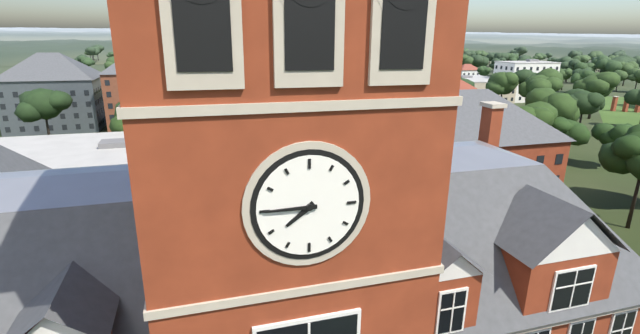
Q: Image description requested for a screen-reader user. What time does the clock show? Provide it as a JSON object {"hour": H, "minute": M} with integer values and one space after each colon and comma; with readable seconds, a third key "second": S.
{"hour": 7, "minute": 45}
